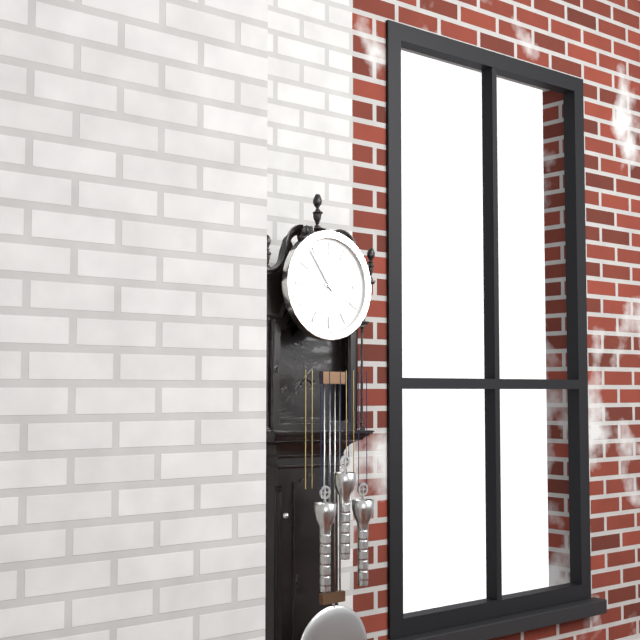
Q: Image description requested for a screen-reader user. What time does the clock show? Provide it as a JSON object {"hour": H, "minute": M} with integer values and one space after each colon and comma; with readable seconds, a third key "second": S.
{"hour": 2, "minute": 54}
